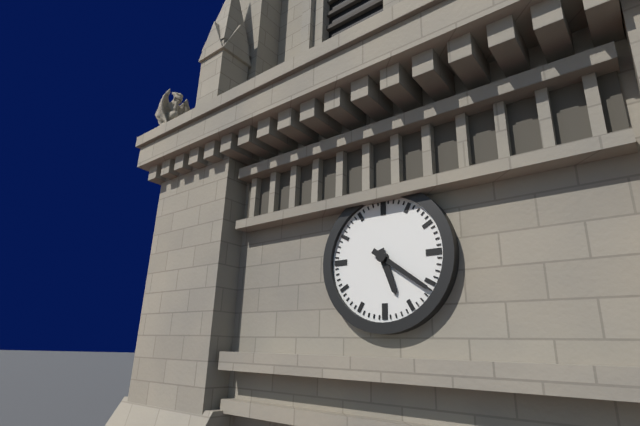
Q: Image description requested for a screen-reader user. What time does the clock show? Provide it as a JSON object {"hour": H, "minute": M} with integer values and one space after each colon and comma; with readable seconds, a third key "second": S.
{"hour": 5, "minute": 21}
